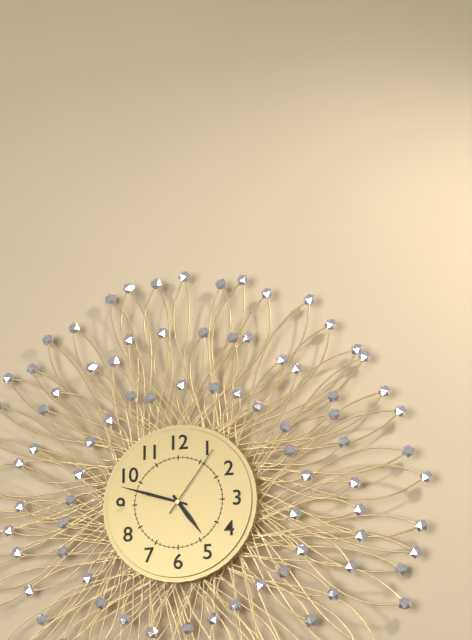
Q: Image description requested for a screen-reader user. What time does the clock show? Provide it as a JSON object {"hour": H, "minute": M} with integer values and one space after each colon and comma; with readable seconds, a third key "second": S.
{"hour": 4, "minute": 48, "second": 6}
